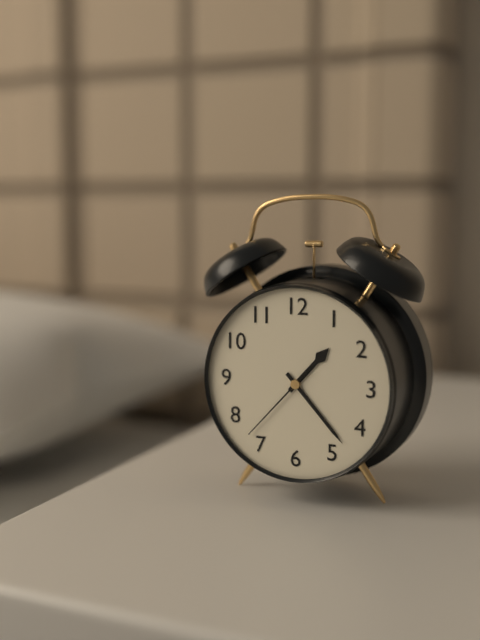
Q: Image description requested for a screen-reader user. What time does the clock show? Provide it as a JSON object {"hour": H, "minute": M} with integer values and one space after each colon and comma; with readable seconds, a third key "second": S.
{"hour": 1, "minute": 23, "second": 37}
